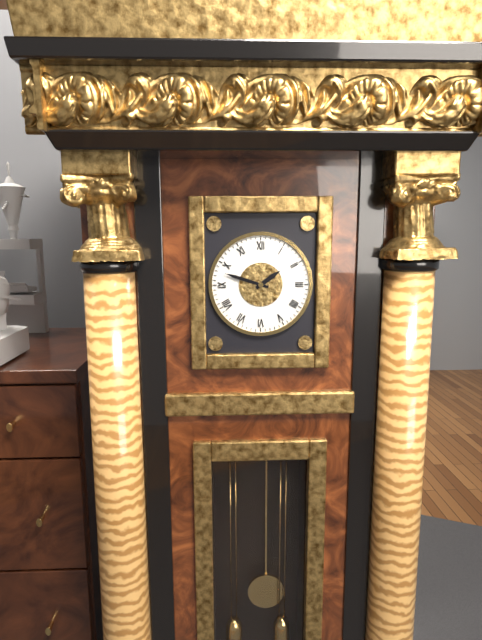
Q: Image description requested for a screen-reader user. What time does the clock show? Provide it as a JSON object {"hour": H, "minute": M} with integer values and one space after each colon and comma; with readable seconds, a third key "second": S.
{"hour": 1, "minute": 48}
